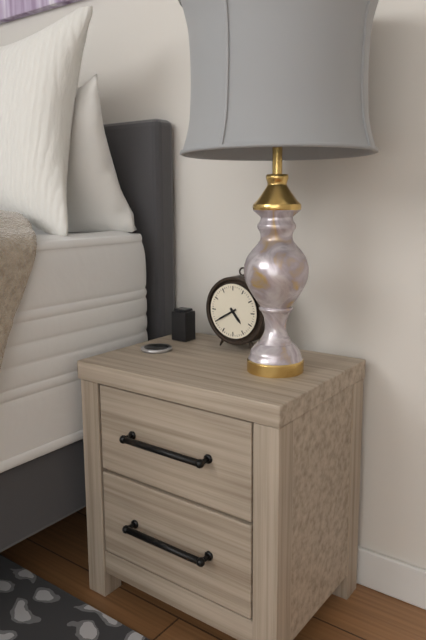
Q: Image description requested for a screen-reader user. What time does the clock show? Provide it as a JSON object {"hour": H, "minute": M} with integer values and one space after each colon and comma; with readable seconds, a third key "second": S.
{"hour": 4, "minute": 40}
